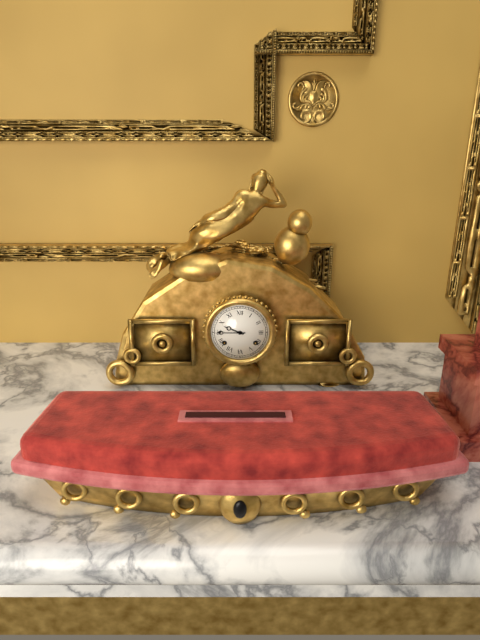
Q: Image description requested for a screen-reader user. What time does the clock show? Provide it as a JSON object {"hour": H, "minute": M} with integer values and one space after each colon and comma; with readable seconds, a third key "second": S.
{"hour": 9, "minute": 45}
